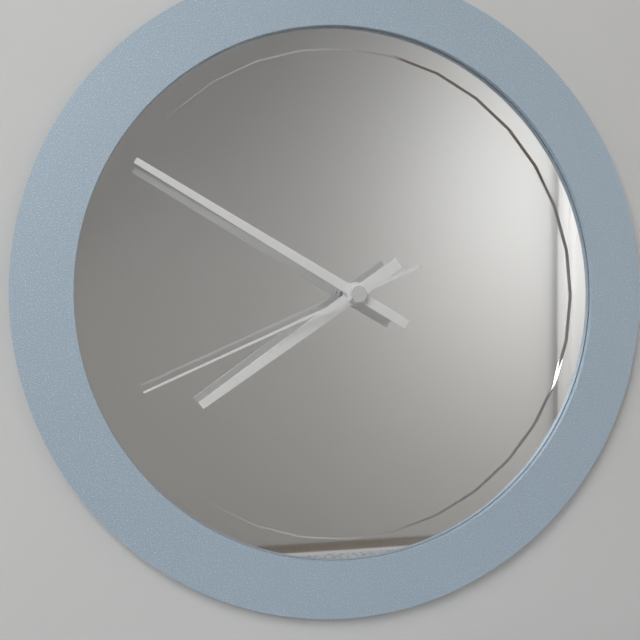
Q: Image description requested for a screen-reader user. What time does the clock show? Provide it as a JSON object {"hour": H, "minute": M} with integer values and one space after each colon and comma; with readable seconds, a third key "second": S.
{"hour": 7, "minute": 50, "second": 41}
